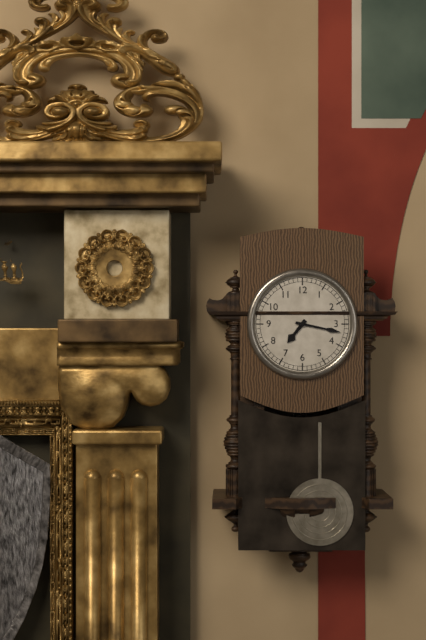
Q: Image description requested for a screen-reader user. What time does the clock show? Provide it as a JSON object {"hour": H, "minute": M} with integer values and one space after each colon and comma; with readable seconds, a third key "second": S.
{"hour": 7, "minute": 17}
